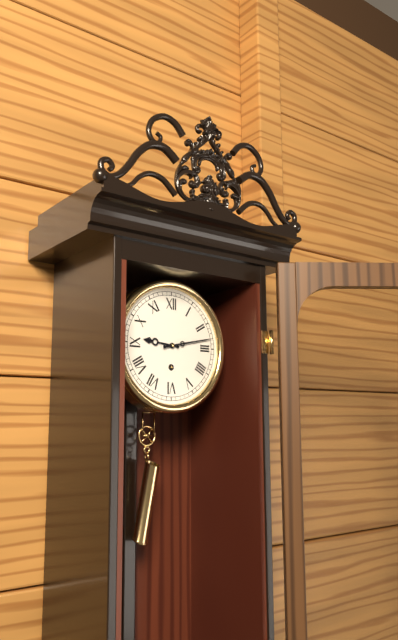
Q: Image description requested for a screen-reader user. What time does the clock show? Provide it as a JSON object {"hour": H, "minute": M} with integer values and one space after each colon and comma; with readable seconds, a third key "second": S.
{"hour": 9, "minute": 13}
